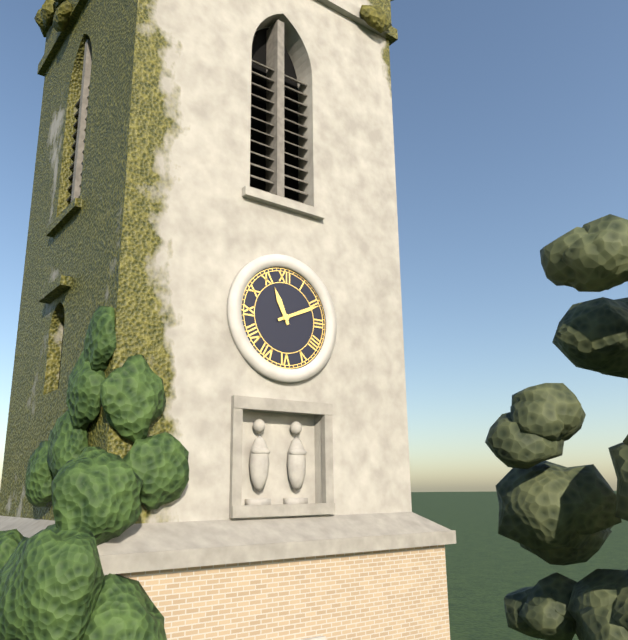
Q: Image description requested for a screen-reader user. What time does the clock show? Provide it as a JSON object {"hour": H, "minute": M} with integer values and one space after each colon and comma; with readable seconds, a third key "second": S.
{"hour": 11, "minute": 11}
